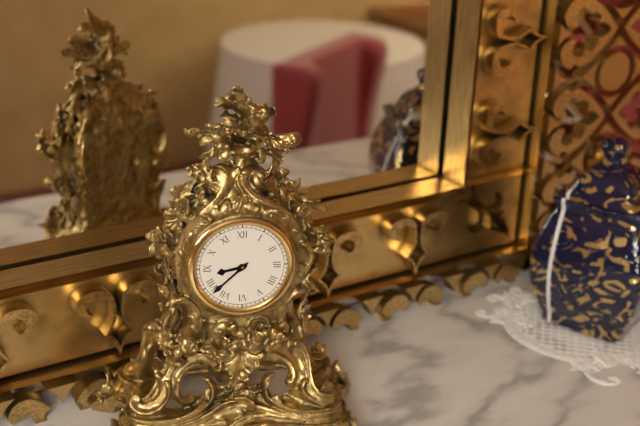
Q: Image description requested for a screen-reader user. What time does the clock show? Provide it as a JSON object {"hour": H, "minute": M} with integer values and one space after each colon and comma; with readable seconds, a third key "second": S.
{"hour": 8, "minute": 38}
